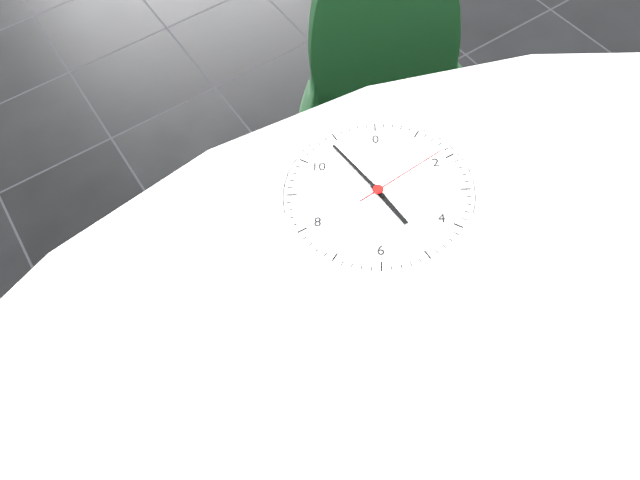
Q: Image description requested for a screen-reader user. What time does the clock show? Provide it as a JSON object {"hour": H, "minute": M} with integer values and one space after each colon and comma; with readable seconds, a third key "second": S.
{"hour": 4, "minute": 54, "second": 9}
